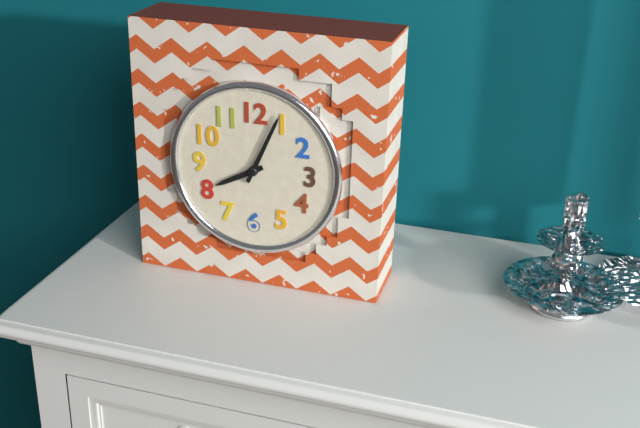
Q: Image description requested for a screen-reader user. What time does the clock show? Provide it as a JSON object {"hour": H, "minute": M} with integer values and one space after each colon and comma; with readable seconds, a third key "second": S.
{"hour": 8, "minute": 4}
